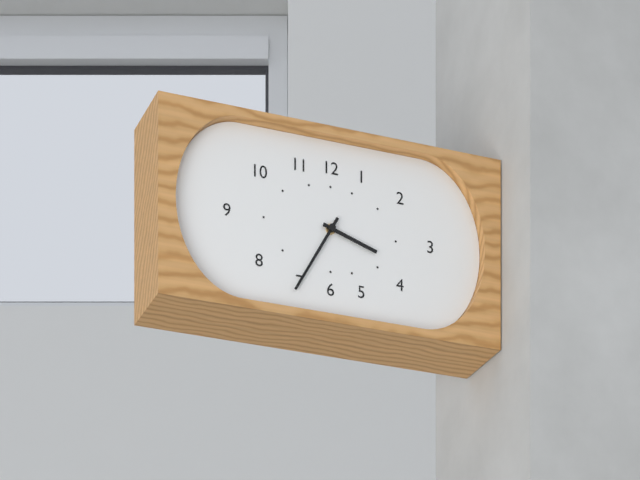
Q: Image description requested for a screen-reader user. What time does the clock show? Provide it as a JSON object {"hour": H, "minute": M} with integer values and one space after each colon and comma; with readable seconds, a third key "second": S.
{"hour": 3, "minute": 35}
